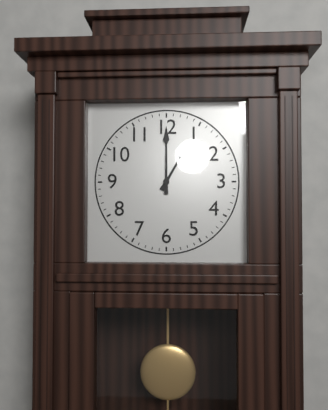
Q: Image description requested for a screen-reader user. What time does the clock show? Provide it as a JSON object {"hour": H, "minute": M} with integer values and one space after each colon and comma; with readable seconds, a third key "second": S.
{"hour": 1, "minute": 0}
